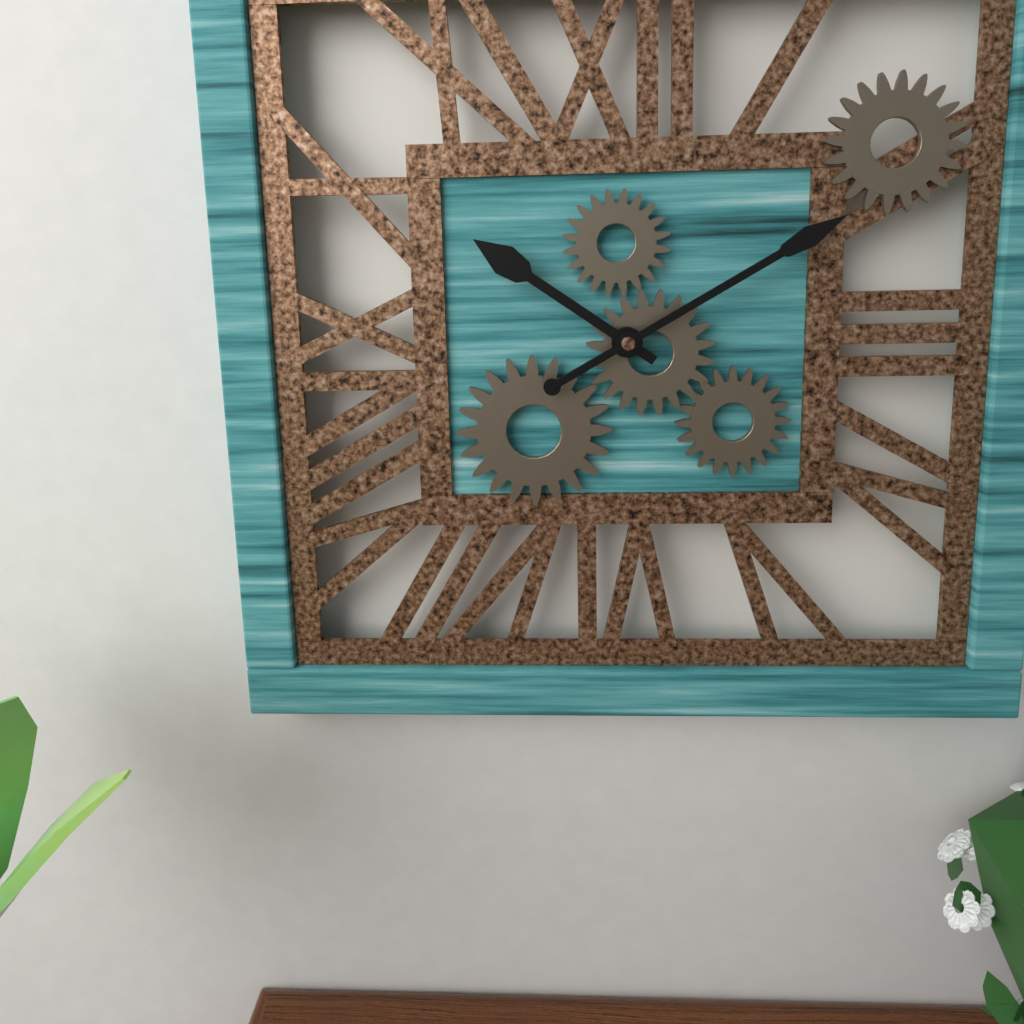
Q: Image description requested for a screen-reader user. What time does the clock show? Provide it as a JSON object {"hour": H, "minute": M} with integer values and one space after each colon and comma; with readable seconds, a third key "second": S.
{"hour": 10, "minute": 10}
